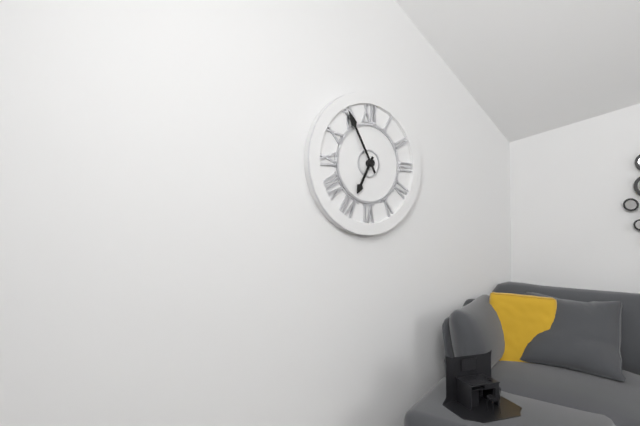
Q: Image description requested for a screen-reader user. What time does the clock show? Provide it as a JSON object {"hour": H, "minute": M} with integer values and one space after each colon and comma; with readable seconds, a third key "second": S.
{"hour": 6, "minute": 55}
